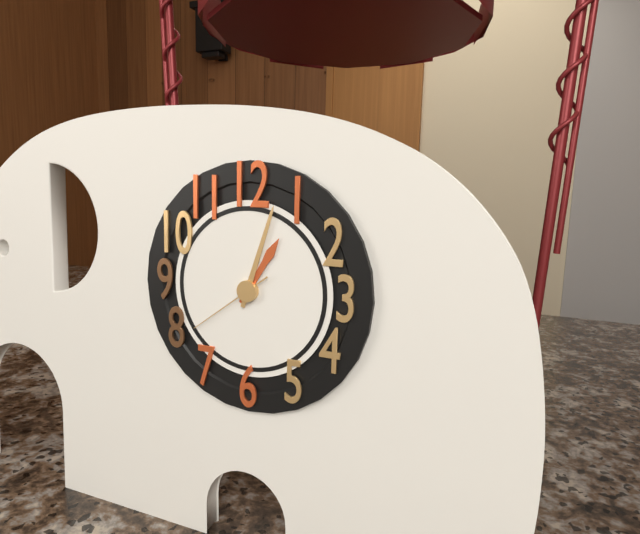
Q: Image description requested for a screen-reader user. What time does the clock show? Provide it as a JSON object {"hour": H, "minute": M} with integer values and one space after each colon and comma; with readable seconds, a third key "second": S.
{"hour": 1, "minute": 3, "second": 39}
